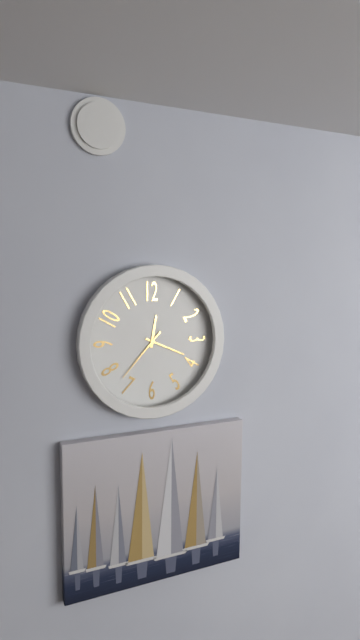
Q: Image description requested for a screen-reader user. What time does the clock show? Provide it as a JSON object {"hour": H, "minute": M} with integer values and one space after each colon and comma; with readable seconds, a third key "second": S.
{"hour": 12, "minute": 19, "second": 37}
